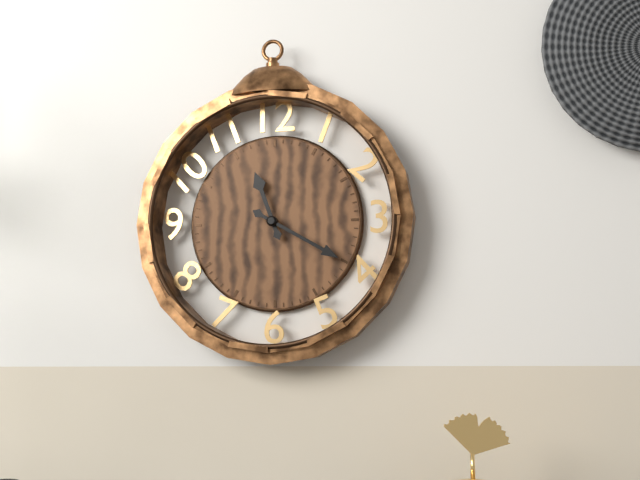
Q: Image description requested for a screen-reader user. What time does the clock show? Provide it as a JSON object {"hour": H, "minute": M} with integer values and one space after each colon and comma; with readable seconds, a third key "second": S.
{"hour": 11, "minute": 20}
